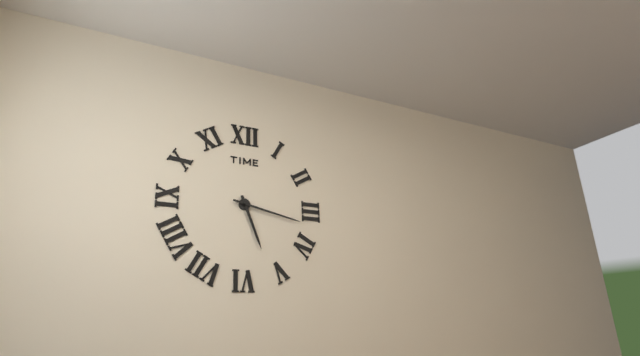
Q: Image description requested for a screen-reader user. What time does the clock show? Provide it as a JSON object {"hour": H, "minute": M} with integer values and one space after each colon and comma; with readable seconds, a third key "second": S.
{"hour": 5, "minute": 17}
